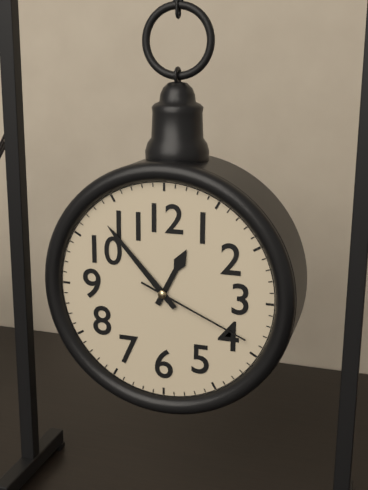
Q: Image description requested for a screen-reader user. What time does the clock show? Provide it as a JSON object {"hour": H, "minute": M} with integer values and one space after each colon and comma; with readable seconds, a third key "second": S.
{"hour": 12, "minute": 53, "second": 19}
